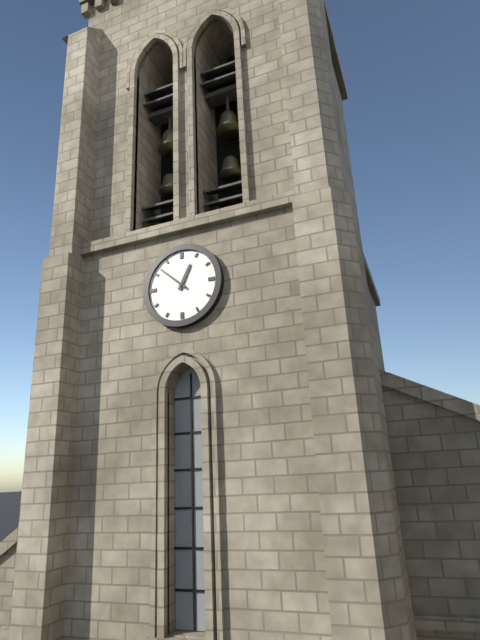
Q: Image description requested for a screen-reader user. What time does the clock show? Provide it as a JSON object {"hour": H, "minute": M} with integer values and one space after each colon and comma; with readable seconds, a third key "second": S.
{"hour": 12, "minute": 52}
